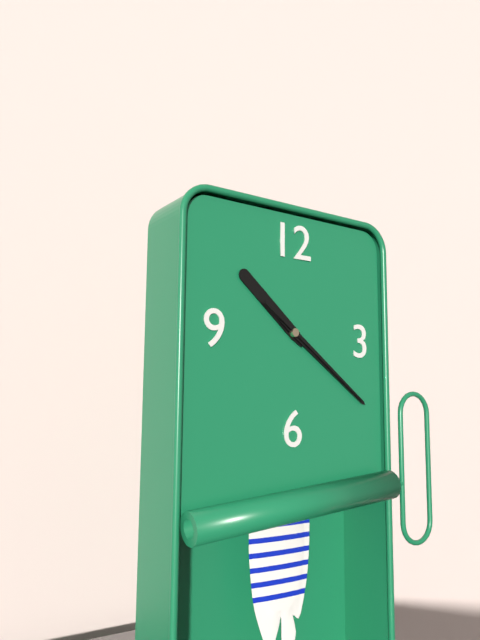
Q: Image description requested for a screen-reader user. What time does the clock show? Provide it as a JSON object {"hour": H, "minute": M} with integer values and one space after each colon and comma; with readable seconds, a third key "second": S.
{"hour": 10, "minute": 21, "second": 21}
